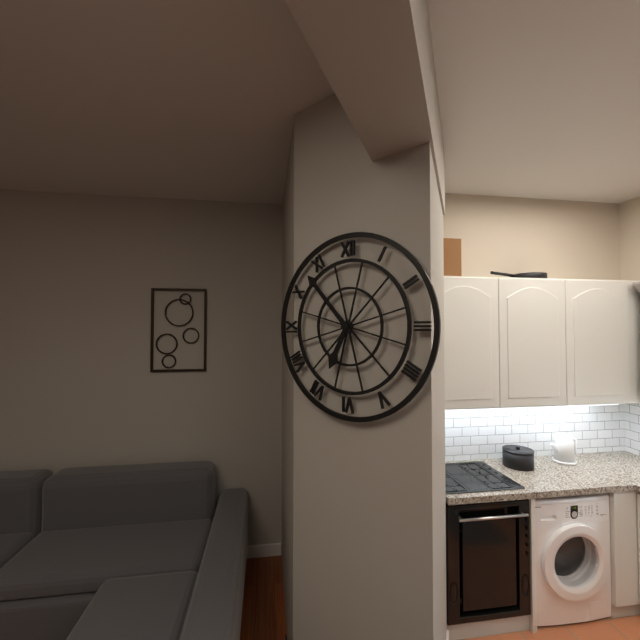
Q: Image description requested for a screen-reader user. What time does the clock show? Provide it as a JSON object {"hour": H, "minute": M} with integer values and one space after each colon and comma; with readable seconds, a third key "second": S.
{"hour": 6, "minute": 53}
